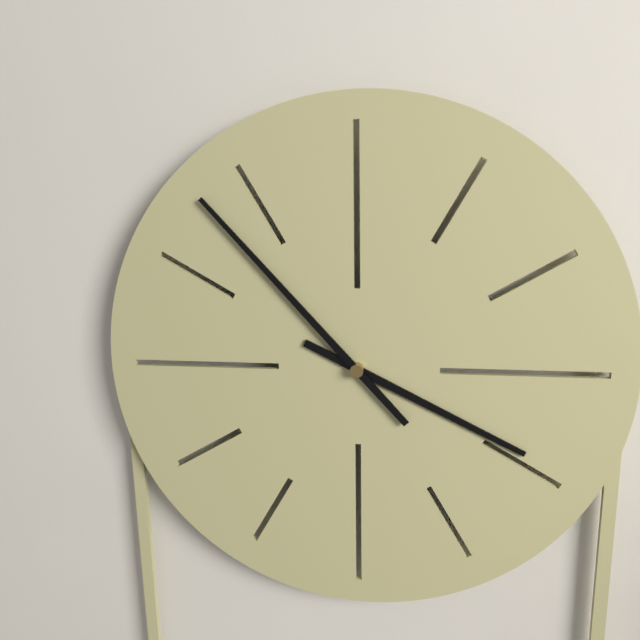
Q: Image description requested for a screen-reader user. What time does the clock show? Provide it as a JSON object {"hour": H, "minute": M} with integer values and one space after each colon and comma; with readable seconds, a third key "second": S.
{"hour": 3, "minute": 53}
